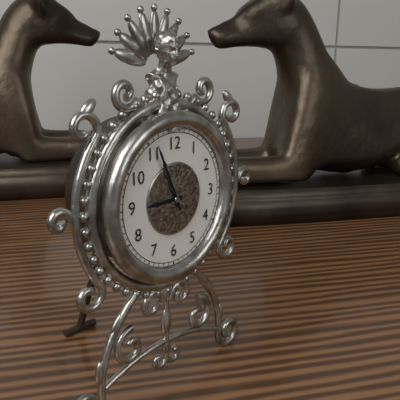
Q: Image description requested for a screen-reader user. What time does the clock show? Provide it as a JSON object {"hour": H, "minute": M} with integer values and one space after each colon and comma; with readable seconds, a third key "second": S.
{"hour": 8, "minute": 56}
